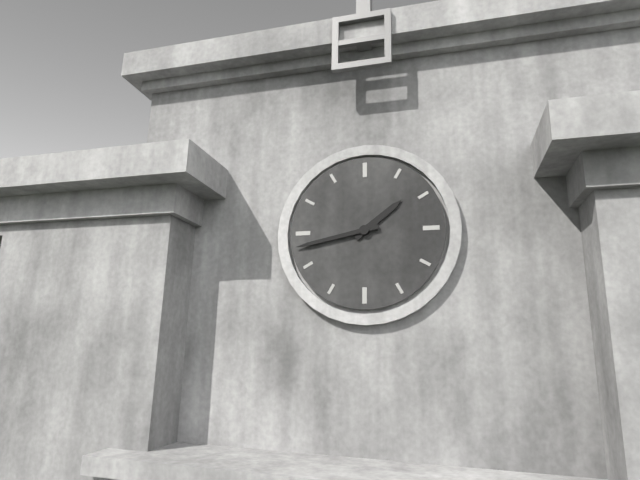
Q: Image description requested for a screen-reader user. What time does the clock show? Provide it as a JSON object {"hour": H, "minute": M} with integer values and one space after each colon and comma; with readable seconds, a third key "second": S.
{"hour": 1, "minute": 43}
